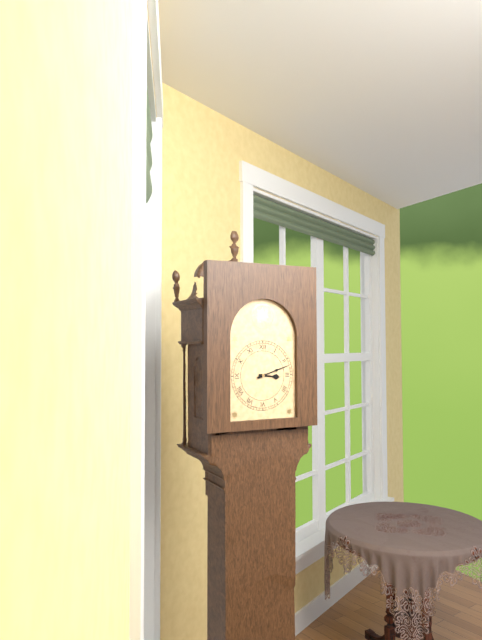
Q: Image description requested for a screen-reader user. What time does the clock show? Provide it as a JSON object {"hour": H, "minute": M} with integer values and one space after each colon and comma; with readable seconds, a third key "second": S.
{"hour": 3, "minute": 12}
